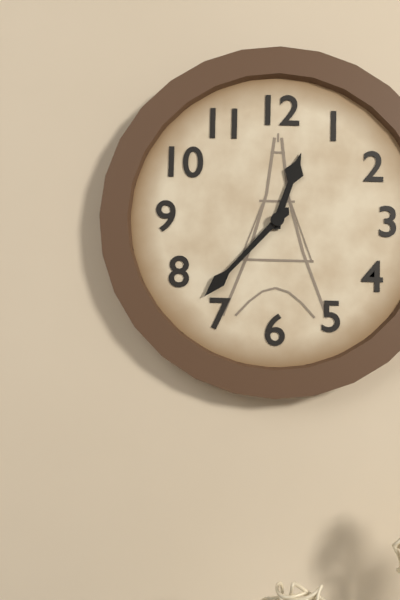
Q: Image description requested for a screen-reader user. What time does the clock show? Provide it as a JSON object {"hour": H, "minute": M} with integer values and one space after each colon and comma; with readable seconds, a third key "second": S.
{"hour": 12, "minute": 37}
